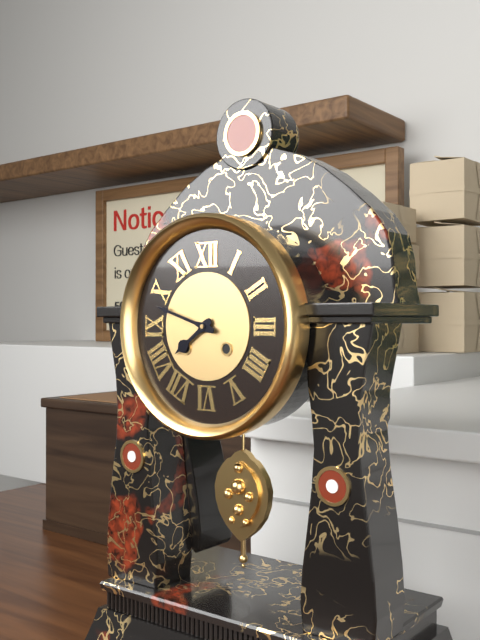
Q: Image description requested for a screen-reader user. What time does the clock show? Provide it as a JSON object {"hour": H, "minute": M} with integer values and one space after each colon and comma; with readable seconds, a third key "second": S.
{"hour": 7, "minute": 48}
